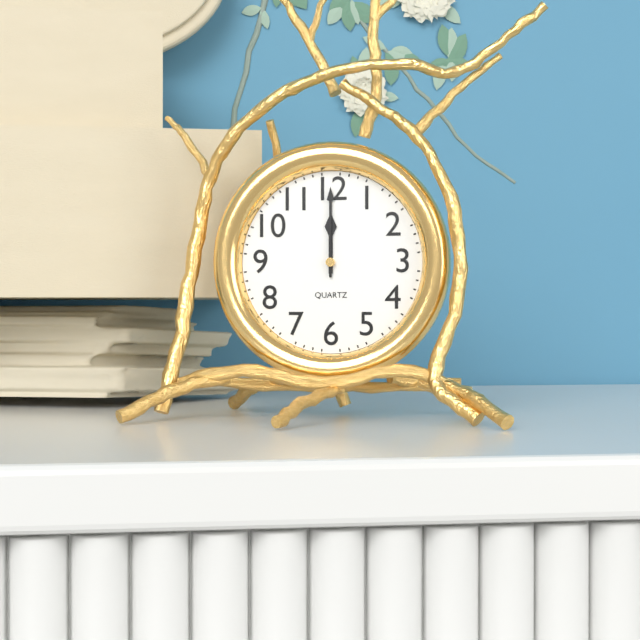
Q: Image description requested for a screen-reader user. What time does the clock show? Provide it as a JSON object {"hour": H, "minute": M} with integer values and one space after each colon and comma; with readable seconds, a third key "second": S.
{"hour": 12, "minute": 0}
